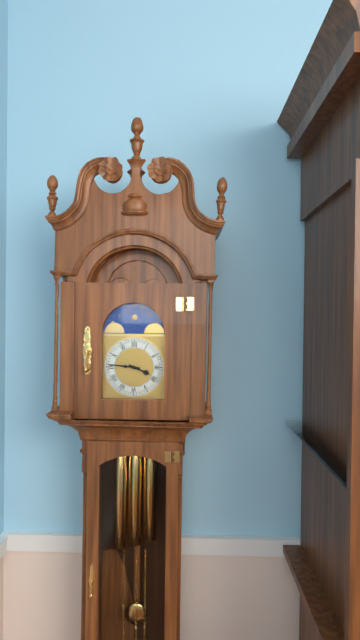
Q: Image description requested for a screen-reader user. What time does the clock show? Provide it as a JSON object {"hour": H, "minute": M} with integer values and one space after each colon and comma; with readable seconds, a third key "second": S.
{"hour": 3, "minute": 46}
